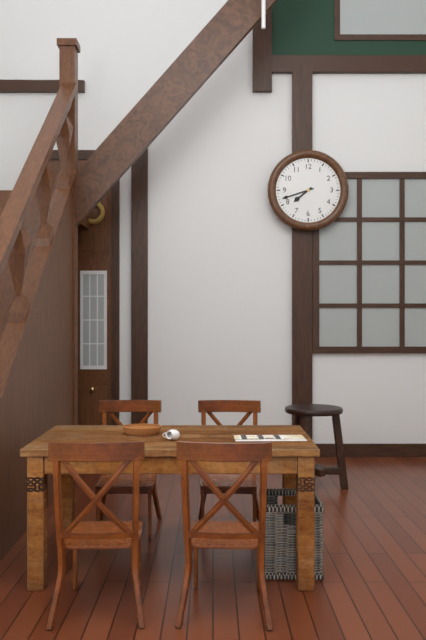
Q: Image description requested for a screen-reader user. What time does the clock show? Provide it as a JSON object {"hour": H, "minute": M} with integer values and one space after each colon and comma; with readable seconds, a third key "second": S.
{"hour": 7, "minute": 42}
